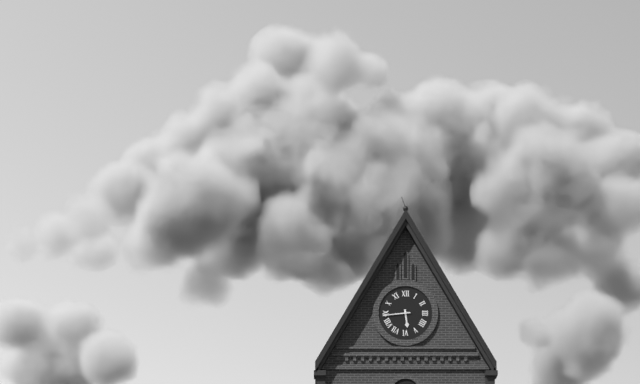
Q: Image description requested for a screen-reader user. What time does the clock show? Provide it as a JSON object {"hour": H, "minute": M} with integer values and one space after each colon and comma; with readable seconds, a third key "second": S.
{"hour": 5, "minute": 44}
